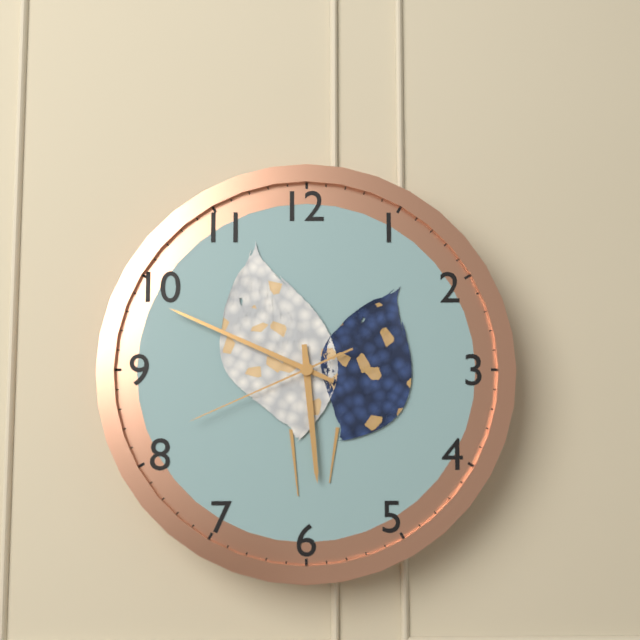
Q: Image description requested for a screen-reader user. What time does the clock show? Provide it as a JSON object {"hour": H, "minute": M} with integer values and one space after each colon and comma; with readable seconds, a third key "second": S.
{"hour": 5, "minute": 49, "second": 41}
